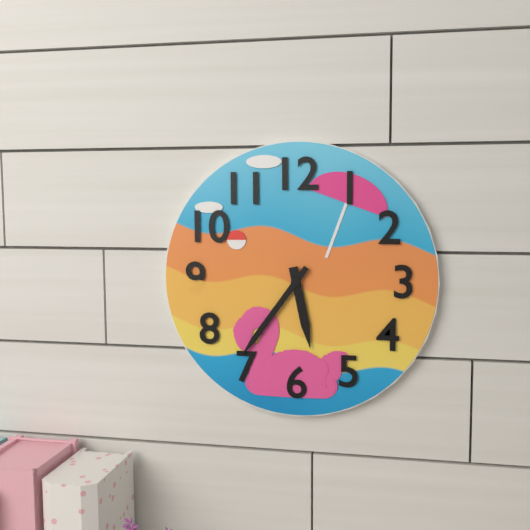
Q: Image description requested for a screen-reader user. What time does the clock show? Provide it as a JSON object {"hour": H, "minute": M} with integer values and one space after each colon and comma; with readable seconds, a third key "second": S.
{"hour": 5, "minute": 36}
